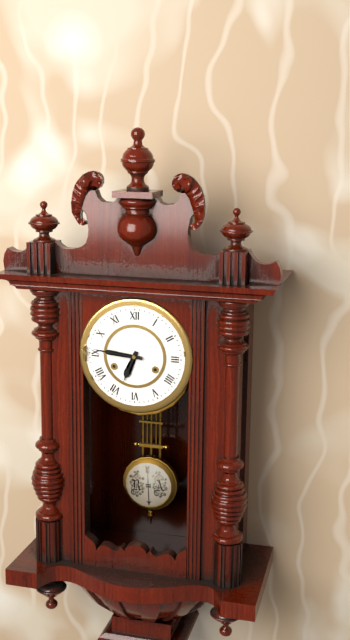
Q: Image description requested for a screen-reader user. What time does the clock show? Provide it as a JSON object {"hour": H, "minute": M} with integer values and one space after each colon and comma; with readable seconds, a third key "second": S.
{"hour": 6, "minute": 46}
